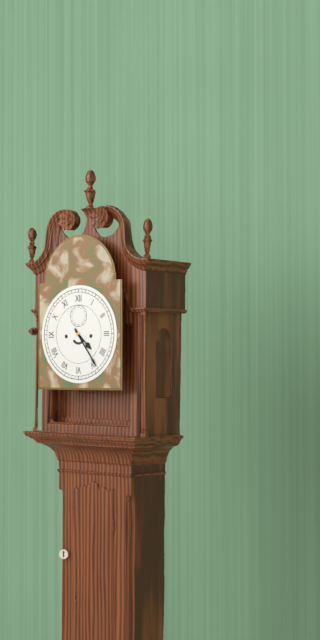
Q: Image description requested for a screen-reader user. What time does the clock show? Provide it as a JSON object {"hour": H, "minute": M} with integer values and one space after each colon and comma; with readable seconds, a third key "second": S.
{"hour": 4, "minute": 24}
